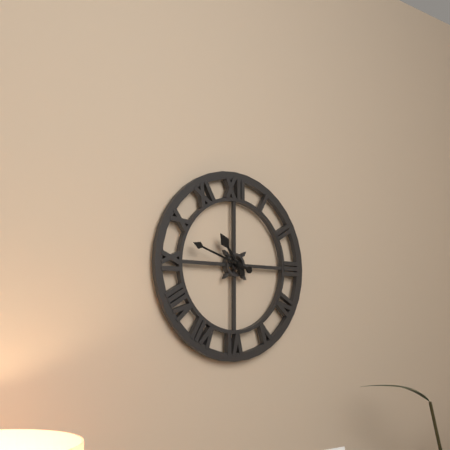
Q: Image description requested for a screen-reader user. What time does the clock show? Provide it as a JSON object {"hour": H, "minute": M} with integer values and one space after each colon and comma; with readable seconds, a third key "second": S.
{"hour": 10, "minute": 48}
